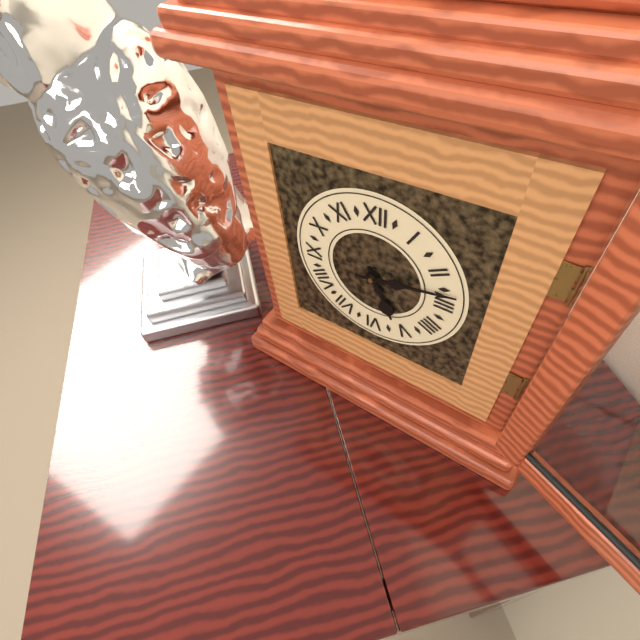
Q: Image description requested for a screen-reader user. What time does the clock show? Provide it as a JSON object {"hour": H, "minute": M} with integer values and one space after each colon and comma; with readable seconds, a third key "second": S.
{"hour": 5, "minute": 13}
